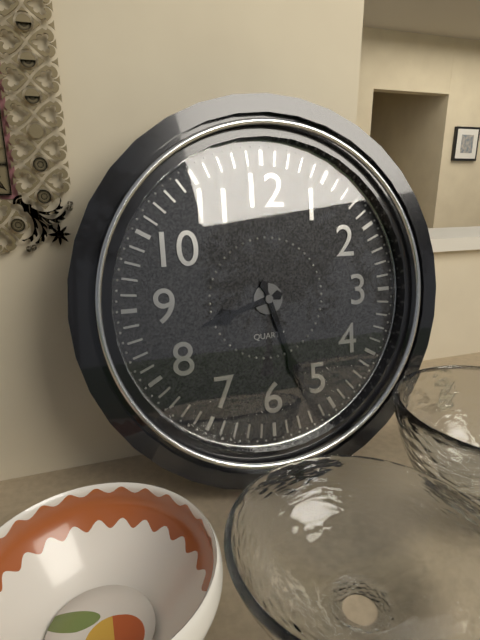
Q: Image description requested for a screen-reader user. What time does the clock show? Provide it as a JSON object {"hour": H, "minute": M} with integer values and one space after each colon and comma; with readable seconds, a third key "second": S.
{"hour": 8, "minute": 27}
